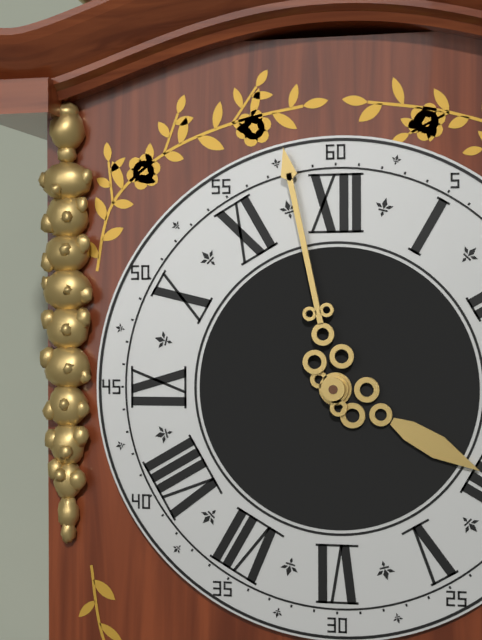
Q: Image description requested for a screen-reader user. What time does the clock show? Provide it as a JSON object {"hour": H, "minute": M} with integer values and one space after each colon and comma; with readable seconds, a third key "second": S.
{"hour": 3, "minute": 58}
